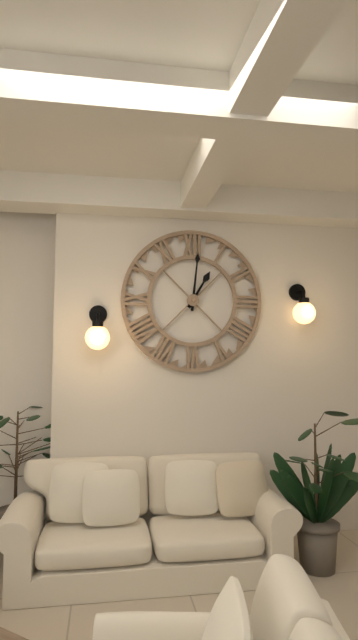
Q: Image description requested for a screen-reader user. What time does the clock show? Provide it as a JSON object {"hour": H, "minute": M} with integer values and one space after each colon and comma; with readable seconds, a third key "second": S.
{"hour": 1, "minute": 1}
